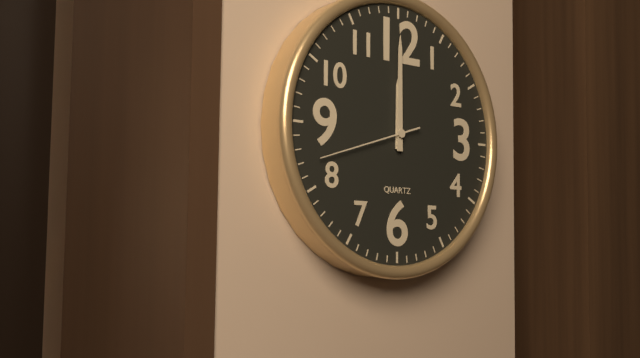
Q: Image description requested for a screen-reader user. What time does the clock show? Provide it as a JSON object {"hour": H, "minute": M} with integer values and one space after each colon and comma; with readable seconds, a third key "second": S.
{"hour": 12, "minute": 0, "second": 42}
